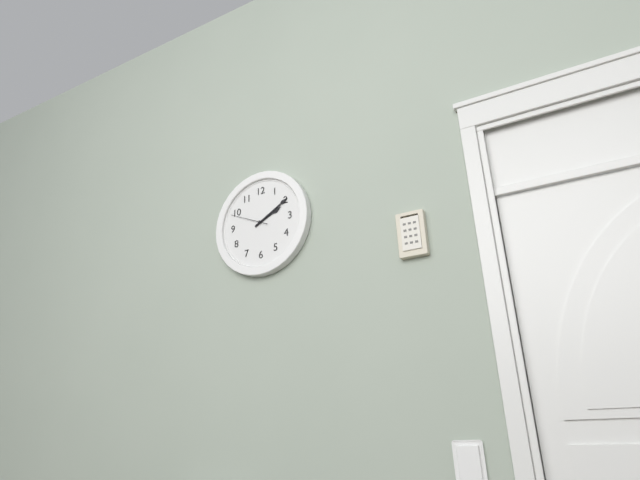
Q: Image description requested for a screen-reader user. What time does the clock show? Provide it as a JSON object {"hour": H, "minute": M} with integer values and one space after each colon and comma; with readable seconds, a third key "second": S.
{"hour": 2, "minute": 10}
